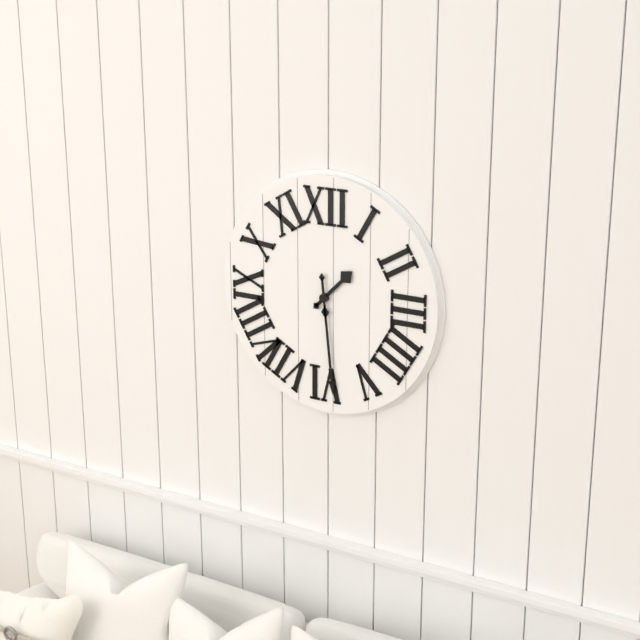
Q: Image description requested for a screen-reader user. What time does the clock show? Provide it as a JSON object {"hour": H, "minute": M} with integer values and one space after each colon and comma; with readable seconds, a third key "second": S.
{"hour": 1, "minute": 29}
